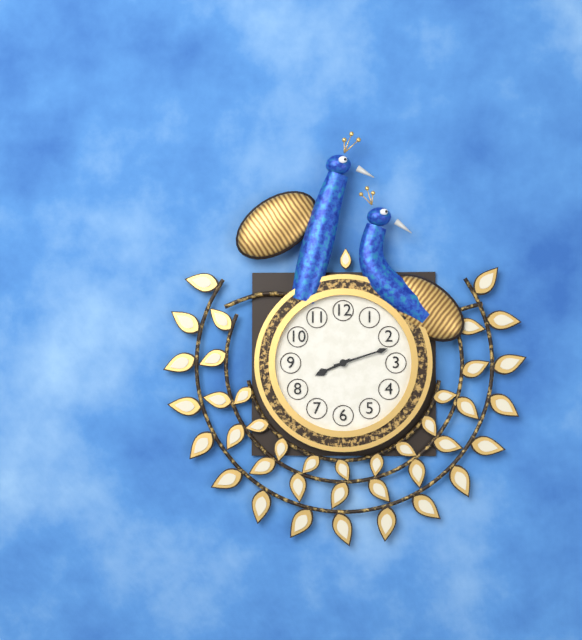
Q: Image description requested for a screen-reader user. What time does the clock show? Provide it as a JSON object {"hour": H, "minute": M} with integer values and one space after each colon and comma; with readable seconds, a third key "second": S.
{"hour": 8, "minute": 12}
